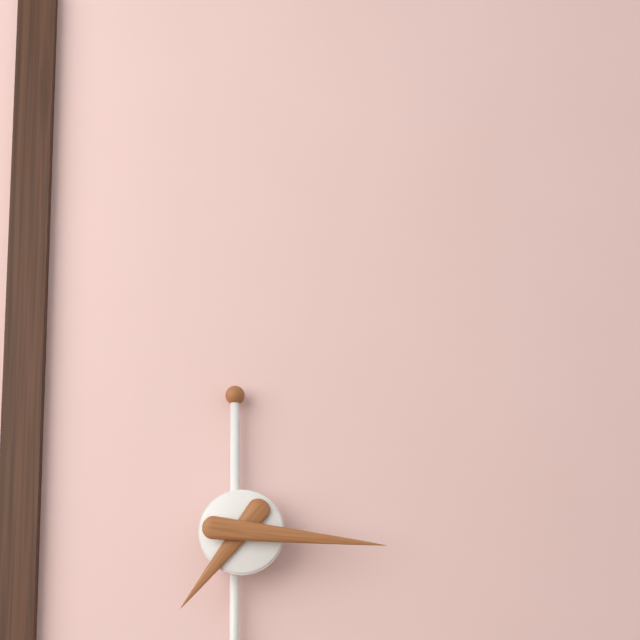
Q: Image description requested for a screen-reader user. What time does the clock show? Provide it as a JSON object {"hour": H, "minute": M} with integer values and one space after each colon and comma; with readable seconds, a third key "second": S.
{"hour": 7, "minute": 16}
